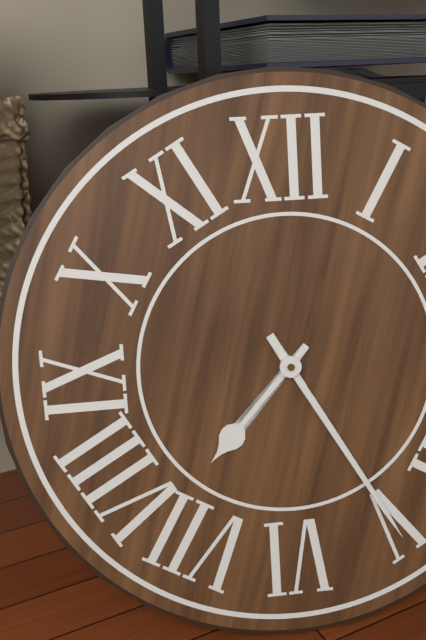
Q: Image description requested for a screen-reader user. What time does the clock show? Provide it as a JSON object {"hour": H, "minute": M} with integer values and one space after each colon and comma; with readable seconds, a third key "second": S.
{"hour": 7, "minute": 25}
